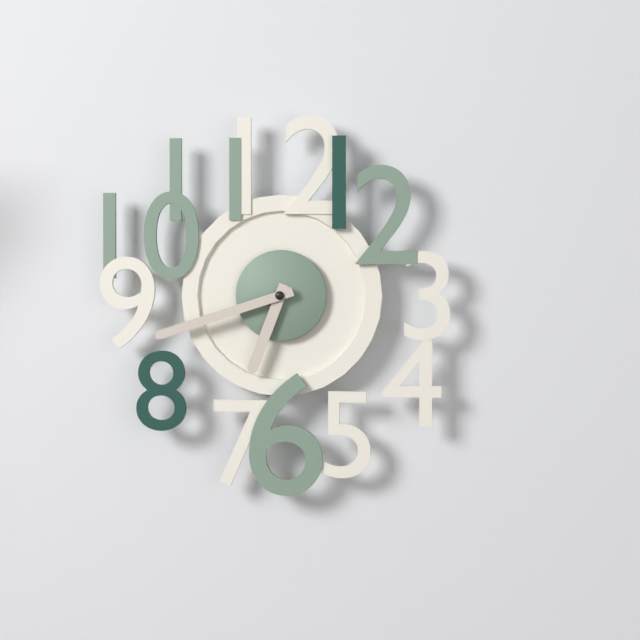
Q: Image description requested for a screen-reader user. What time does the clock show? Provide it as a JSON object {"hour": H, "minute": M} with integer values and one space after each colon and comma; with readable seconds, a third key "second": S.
{"hour": 6, "minute": 42}
